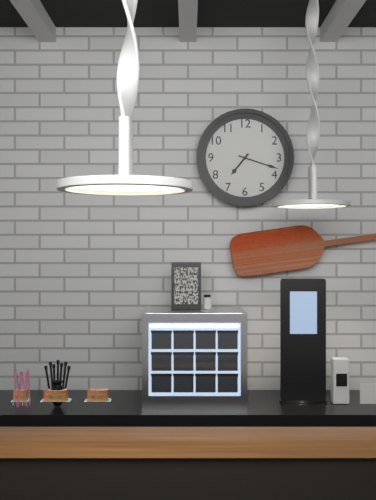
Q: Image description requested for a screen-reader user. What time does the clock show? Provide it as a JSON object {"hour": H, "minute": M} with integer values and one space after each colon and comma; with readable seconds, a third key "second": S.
{"hour": 7, "minute": 18}
